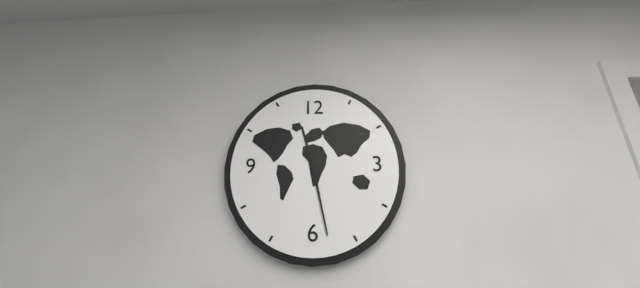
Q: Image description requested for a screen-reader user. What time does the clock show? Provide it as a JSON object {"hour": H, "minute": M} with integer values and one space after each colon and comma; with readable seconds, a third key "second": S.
{"hour": 11, "minute": 28}
